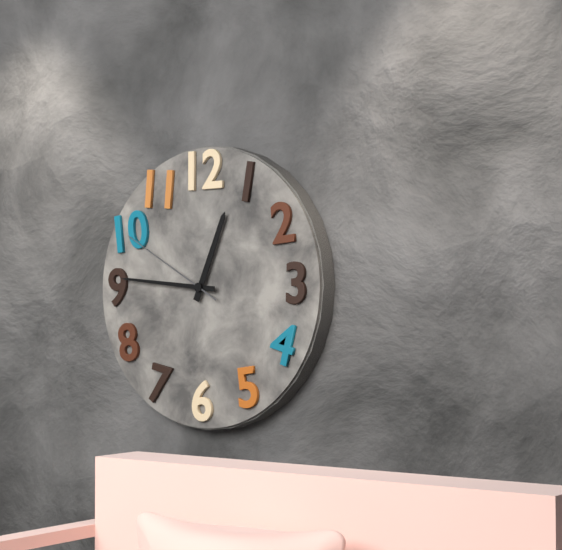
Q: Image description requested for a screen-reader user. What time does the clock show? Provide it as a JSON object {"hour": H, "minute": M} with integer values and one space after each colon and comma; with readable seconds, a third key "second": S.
{"hour": 12, "minute": 46, "second": 50}
